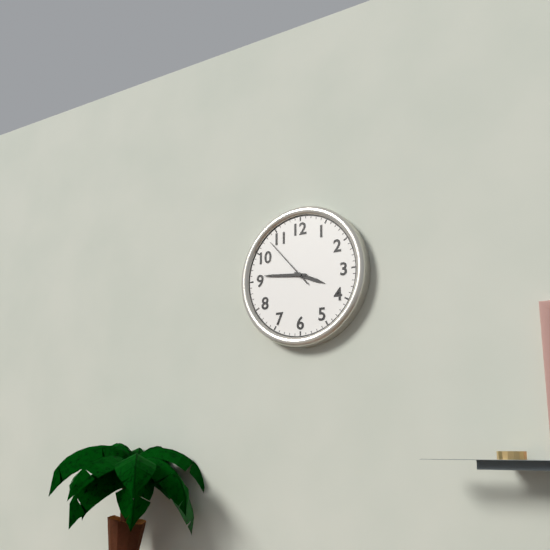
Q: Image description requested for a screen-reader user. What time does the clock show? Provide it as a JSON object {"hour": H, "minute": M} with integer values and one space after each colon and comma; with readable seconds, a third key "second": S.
{"hour": 3, "minute": 46, "second": 53}
